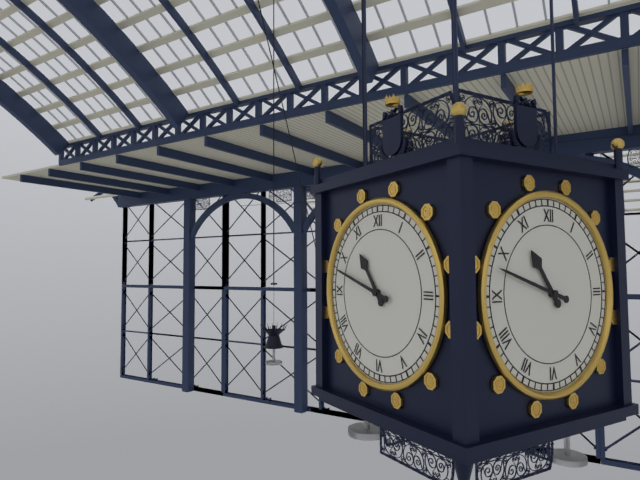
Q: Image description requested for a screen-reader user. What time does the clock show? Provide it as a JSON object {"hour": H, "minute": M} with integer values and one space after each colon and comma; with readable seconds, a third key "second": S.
{"hour": 10, "minute": 48}
